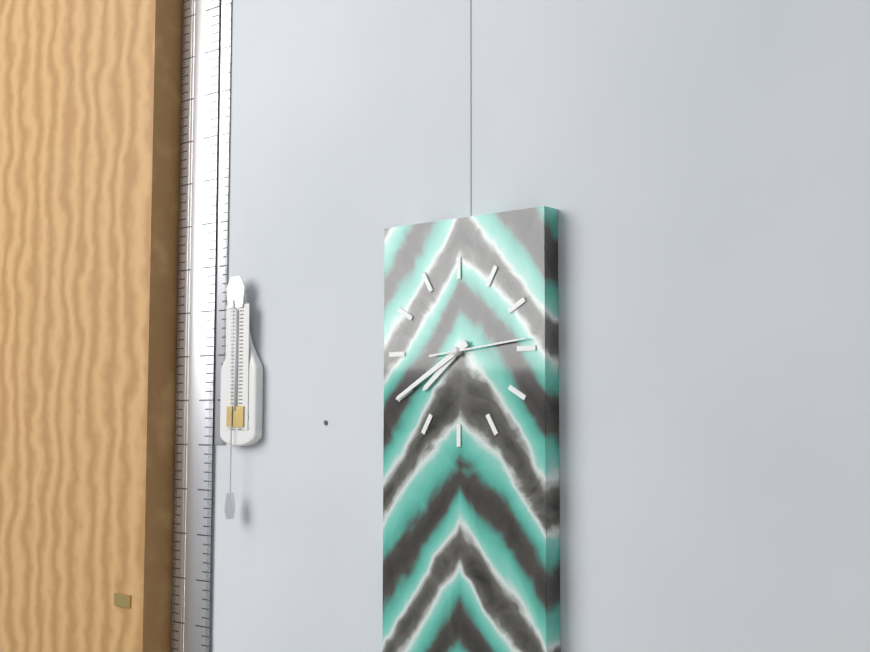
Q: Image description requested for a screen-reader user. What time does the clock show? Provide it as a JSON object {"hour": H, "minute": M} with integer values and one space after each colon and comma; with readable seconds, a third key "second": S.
{"hour": 7, "minute": 40, "second": 14}
